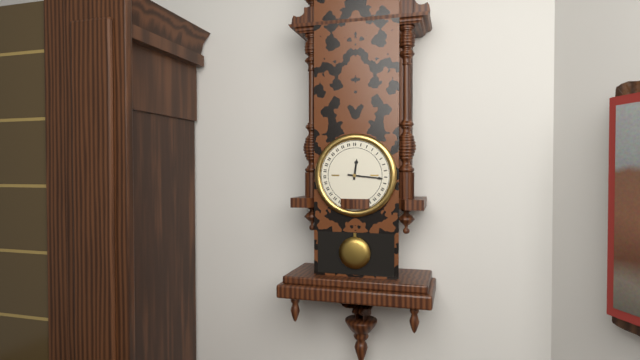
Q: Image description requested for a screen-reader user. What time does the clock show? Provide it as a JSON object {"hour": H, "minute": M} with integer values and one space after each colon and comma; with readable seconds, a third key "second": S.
{"hour": 12, "minute": 16}
